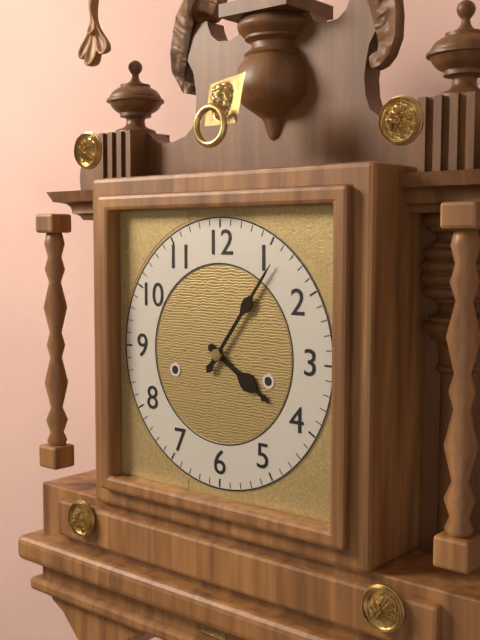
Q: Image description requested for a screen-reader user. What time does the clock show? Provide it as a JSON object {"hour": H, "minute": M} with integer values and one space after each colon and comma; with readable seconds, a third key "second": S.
{"hour": 4, "minute": 6}
